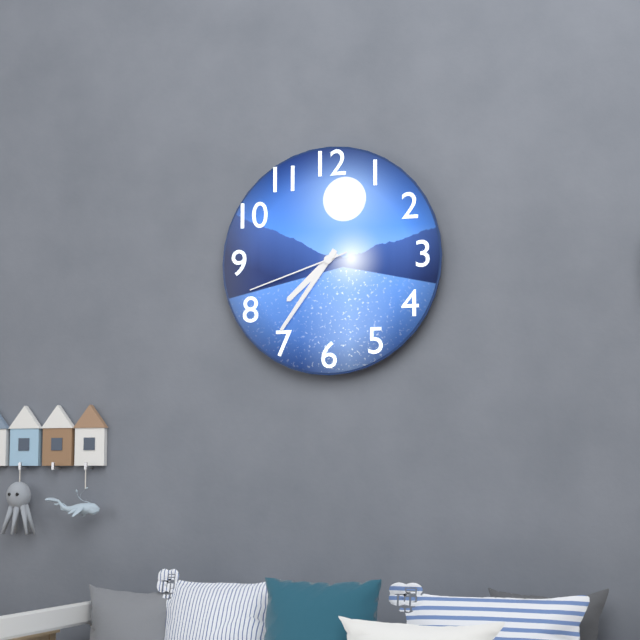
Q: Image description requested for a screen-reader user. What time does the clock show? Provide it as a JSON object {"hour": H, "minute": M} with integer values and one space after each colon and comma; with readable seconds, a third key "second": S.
{"hour": 7, "minute": 36, "second": 42}
